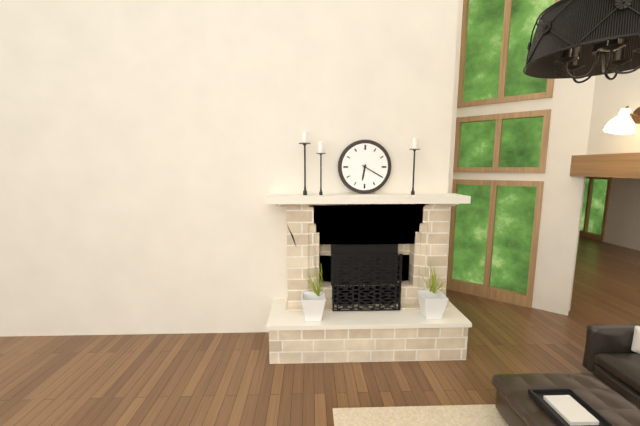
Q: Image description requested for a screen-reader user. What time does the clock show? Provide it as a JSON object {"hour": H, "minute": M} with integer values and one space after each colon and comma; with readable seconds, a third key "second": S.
{"hour": 6, "minute": 20}
